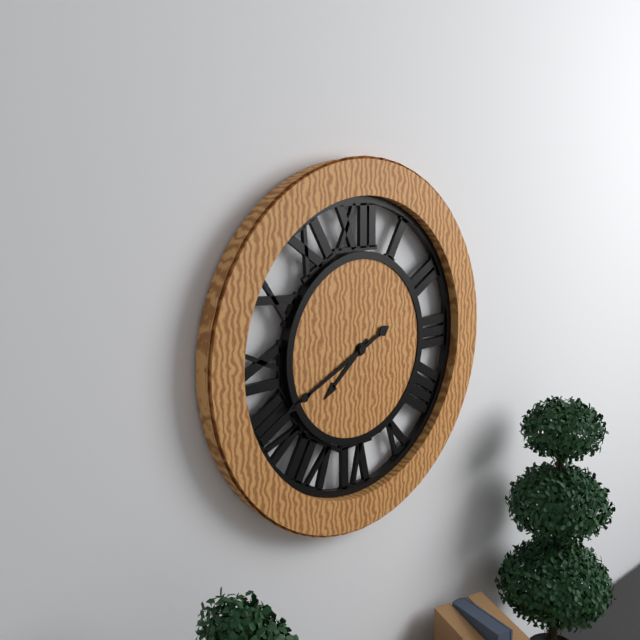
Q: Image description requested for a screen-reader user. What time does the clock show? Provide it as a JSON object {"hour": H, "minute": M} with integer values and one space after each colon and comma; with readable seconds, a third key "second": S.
{"hour": 7, "minute": 41}
